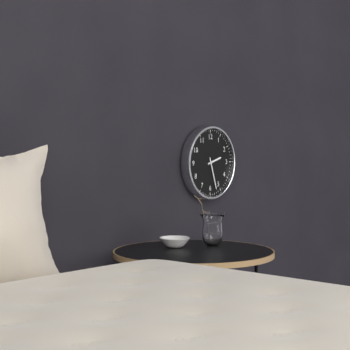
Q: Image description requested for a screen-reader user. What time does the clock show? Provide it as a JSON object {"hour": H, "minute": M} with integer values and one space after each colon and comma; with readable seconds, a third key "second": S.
{"hour": 2, "minute": 27}
